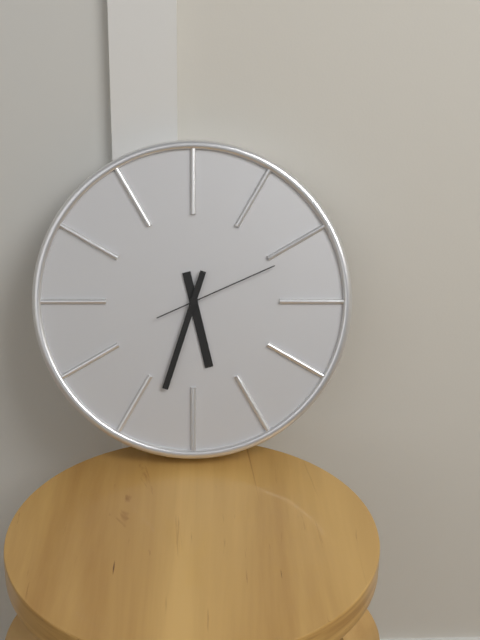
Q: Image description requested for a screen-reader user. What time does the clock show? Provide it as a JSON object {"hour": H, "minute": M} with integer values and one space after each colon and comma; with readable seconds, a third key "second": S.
{"hour": 5, "minute": 33, "second": 11}
